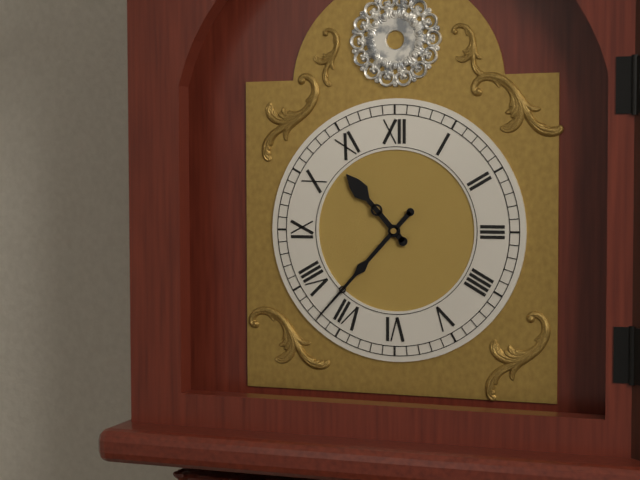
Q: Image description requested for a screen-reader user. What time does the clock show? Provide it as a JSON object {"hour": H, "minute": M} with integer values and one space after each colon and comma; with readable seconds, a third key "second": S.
{"hour": 10, "minute": 37}
